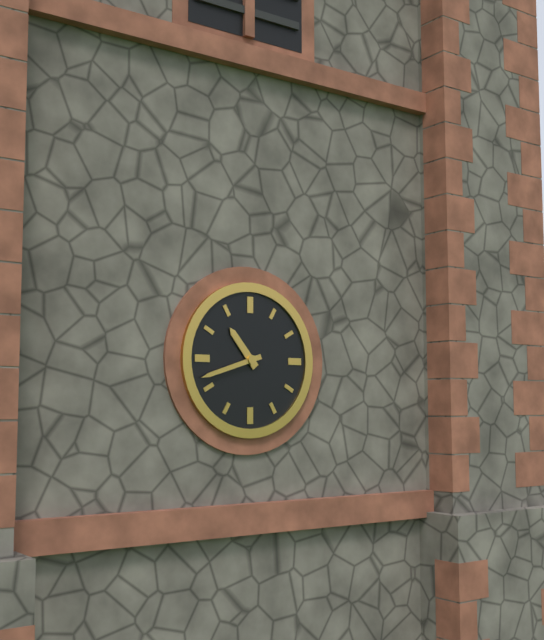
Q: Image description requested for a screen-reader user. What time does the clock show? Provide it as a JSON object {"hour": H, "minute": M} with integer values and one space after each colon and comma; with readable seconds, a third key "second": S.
{"hour": 10, "minute": 42}
